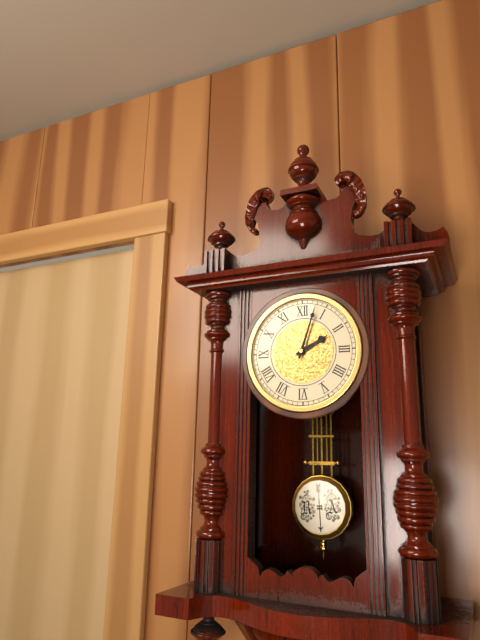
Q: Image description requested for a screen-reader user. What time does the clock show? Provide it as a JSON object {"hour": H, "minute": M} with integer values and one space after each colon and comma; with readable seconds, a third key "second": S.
{"hour": 2, "minute": 3}
